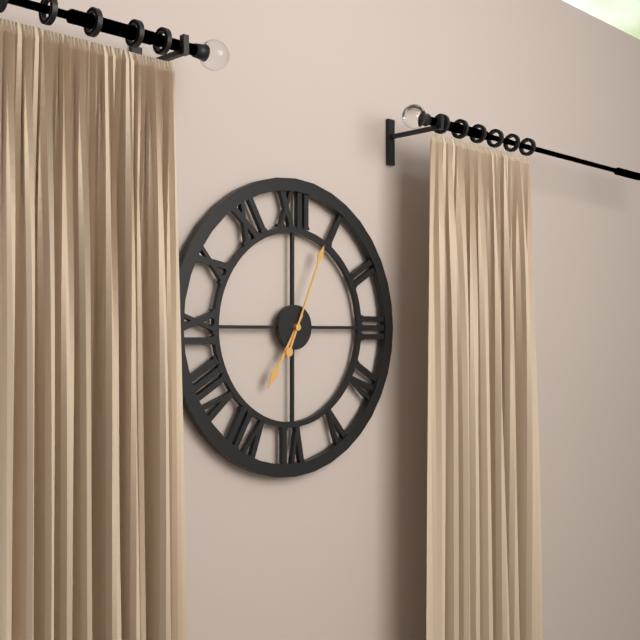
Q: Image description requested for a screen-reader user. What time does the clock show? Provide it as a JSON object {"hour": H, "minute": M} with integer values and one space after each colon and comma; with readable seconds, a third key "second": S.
{"hour": 7, "minute": 4}
